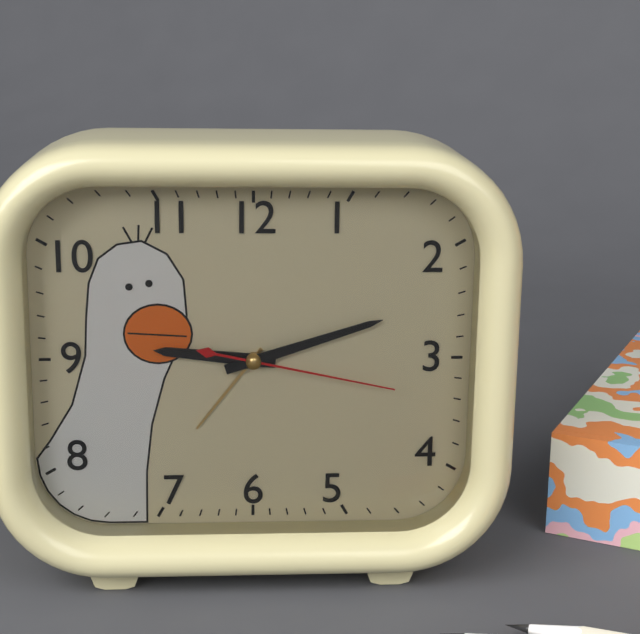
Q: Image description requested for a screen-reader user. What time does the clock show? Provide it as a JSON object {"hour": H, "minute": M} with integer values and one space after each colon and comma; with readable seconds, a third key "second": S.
{"hour": 9, "minute": 12, "second": 17}
